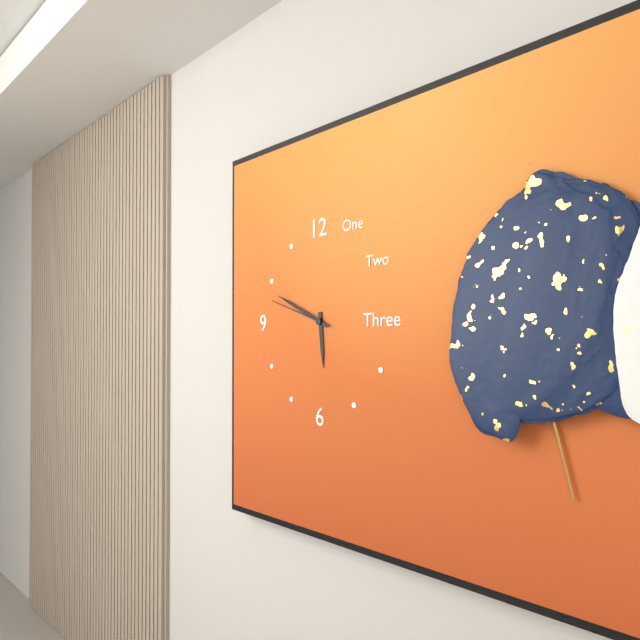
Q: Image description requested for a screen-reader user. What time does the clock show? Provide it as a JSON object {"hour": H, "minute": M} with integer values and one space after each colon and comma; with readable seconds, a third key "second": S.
{"hour": 5, "minute": 49, "second": 48}
